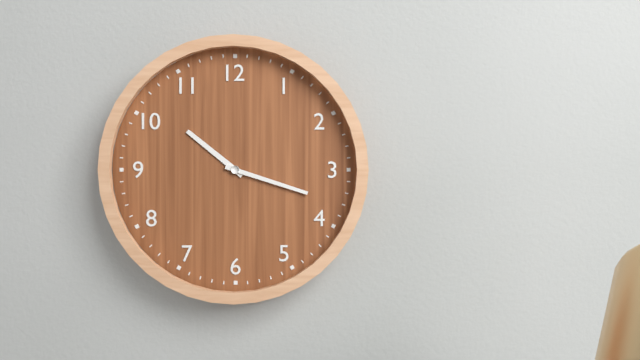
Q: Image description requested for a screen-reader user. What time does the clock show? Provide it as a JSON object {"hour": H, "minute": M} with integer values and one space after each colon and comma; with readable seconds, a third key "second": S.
{"hour": 10, "minute": 18}
